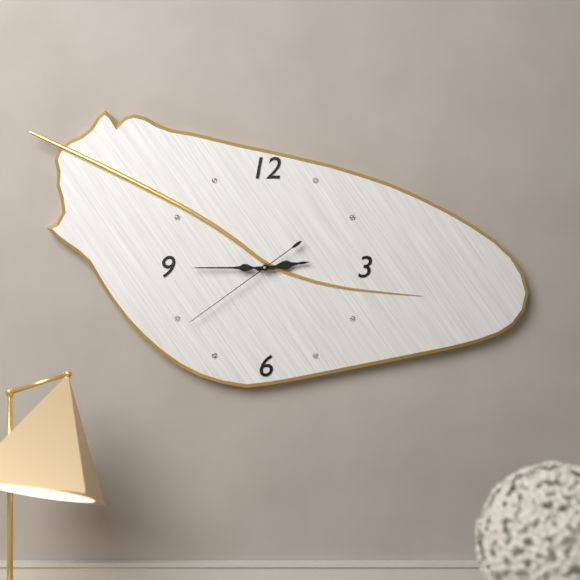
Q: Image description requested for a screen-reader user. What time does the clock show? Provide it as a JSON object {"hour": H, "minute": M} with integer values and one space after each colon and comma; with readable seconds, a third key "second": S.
{"hour": 2, "minute": 45, "second": 39}
